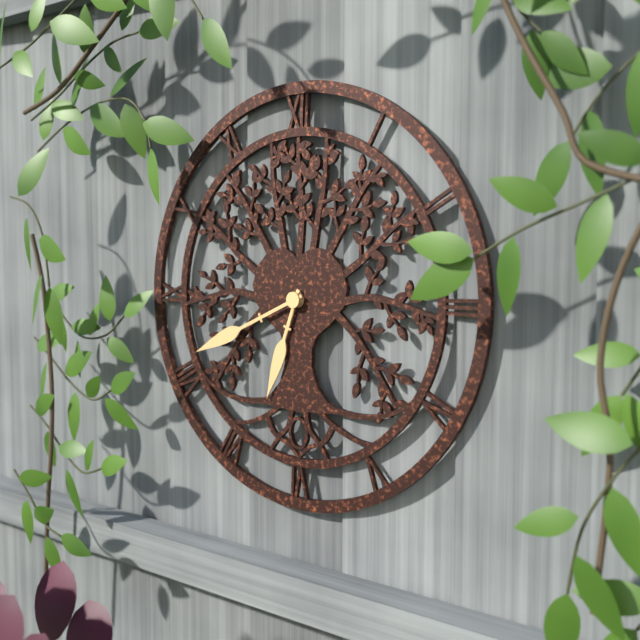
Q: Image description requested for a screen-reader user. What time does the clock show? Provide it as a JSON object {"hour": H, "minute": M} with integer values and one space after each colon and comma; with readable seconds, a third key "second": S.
{"hour": 6, "minute": 41}
